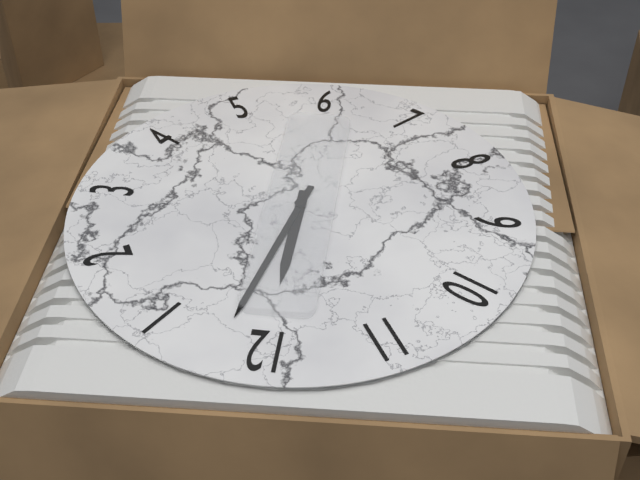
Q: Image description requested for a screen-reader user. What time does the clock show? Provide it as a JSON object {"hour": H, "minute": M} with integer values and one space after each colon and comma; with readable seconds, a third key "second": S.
{"hour": 12, "minute": 2}
